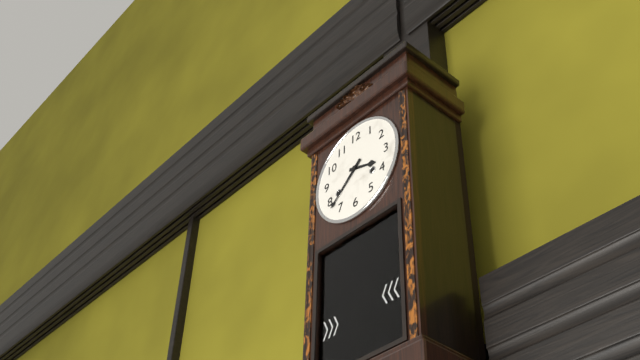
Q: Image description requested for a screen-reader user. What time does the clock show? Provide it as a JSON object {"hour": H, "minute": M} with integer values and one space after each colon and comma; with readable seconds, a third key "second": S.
{"hour": 3, "minute": 38}
